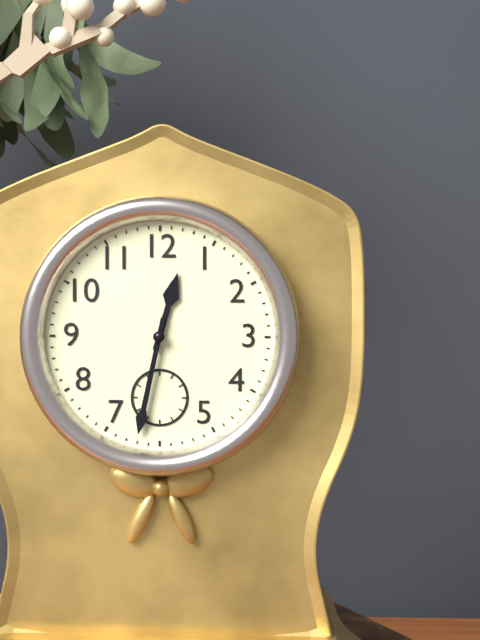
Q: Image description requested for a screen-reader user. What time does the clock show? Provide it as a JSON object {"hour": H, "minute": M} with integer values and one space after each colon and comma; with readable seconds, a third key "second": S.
{"hour": 12, "minute": 32}
